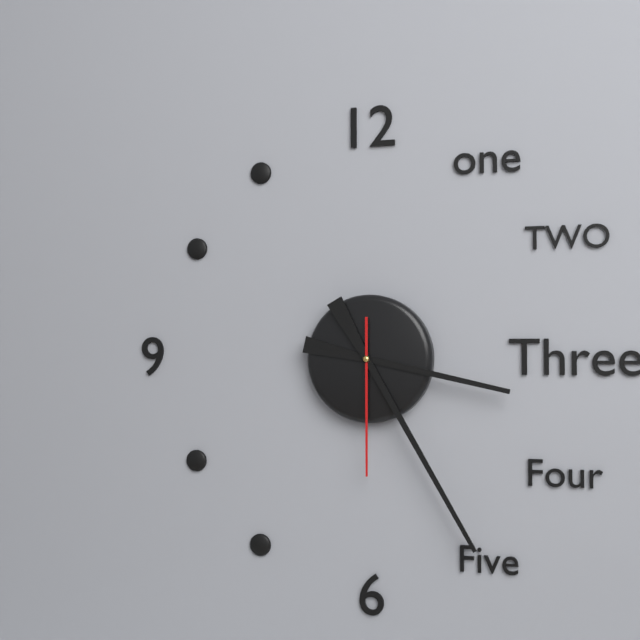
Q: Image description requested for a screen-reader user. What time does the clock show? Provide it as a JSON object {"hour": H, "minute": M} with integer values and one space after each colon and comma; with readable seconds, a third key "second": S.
{"hour": 3, "minute": 25, "second": 30}
